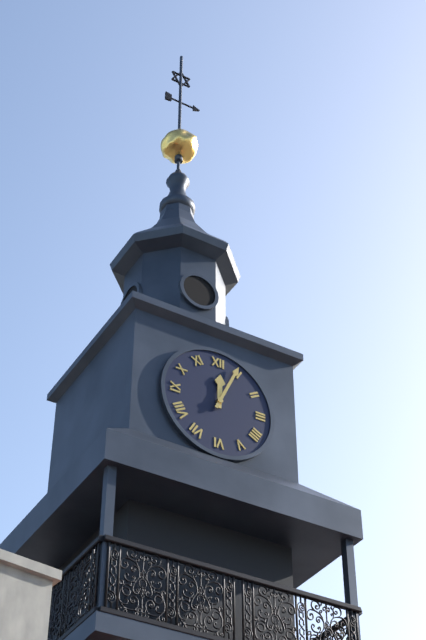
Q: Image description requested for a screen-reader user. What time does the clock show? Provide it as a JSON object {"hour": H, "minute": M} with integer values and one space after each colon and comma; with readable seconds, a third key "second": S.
{"hour": 12, "minute": 4}
